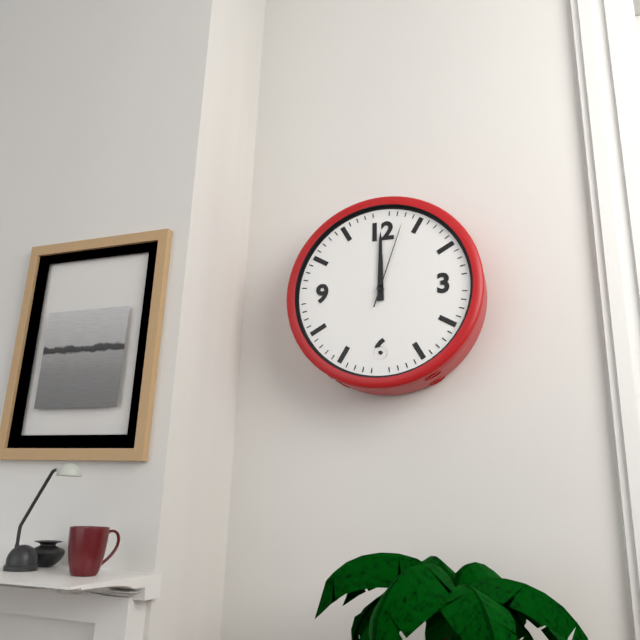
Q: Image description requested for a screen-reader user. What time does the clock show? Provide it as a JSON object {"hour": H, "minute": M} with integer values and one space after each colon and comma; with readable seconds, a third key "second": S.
{"hour": 12, "minute": 0, "second": 3}
